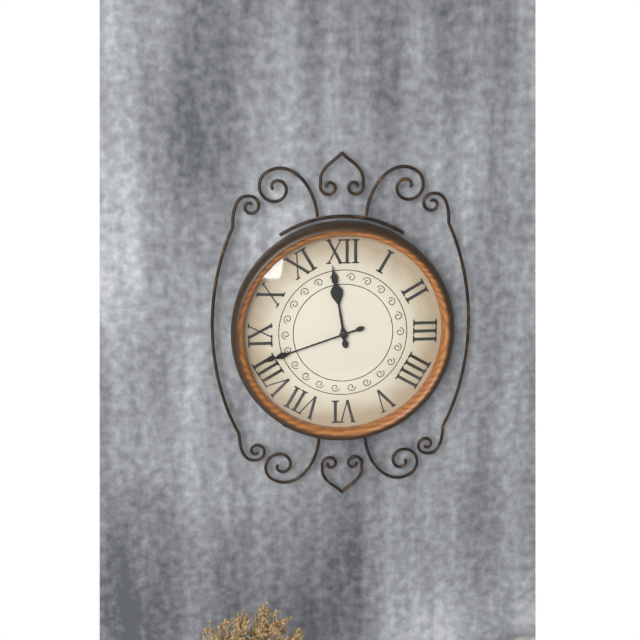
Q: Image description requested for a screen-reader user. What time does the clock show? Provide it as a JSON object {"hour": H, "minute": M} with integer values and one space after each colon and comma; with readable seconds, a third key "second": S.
{"hour": 11, "minute": 42}
